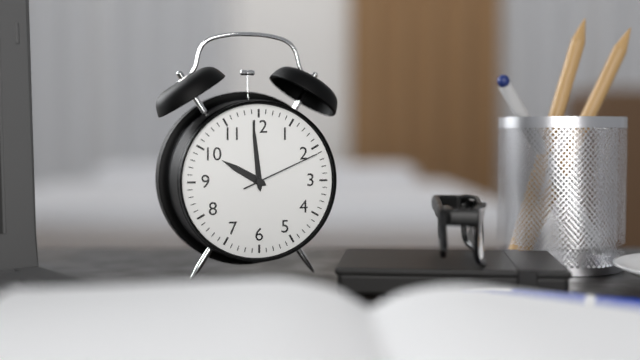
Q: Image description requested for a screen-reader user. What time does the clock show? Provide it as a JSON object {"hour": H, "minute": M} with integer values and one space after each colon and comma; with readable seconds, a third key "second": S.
{"hour": 9, "minute": 59, "second": 11}
